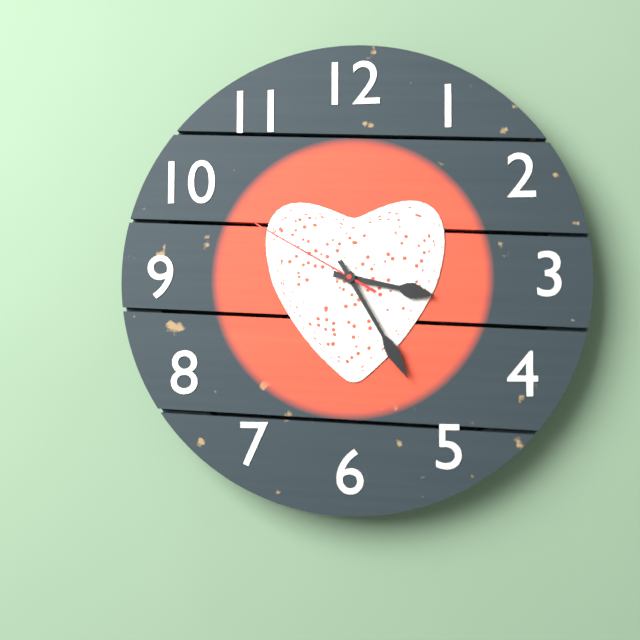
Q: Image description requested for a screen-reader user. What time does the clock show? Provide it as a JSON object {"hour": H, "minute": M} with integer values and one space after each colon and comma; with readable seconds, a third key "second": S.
{"hour": 3, "minute": 25, "second": 50}
